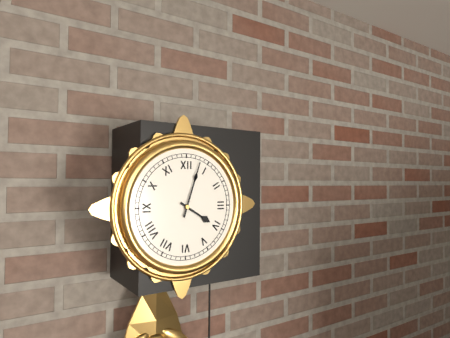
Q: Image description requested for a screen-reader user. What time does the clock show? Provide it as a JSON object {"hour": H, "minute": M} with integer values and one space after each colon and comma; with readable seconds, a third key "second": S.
{"hour": 4, "minute": 3}
